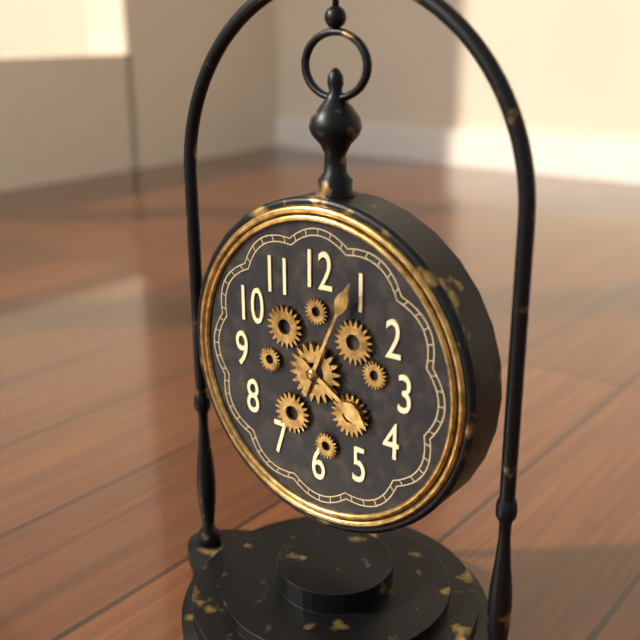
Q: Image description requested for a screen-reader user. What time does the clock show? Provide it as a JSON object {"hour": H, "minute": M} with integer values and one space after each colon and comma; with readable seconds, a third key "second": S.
{"hour": 4, "minute": 4}
